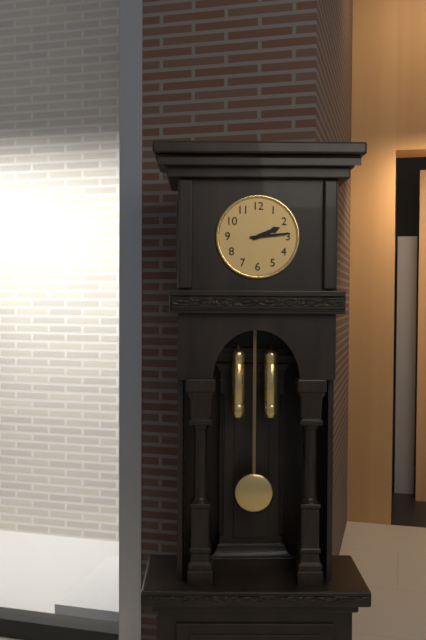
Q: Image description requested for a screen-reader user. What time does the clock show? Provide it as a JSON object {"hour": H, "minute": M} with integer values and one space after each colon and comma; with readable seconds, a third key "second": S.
{"hour": 2, "minute": 14}
